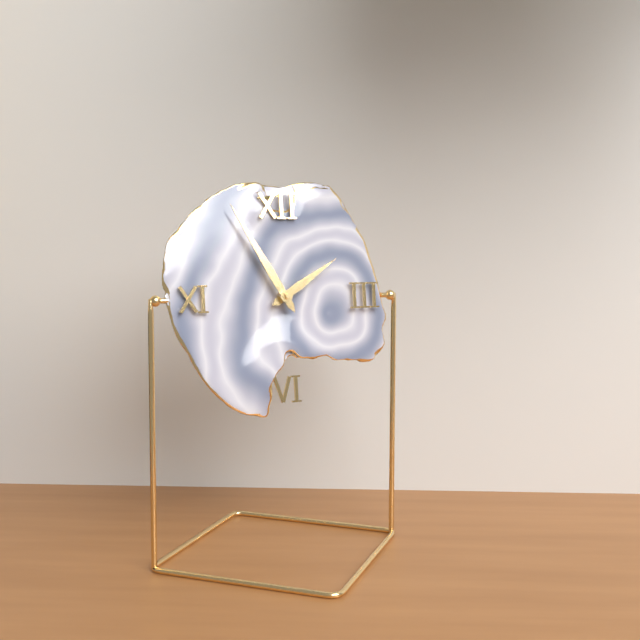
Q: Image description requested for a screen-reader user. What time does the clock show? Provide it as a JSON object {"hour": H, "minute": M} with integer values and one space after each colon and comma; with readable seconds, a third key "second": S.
{"hour": 1, "minute": 55}
